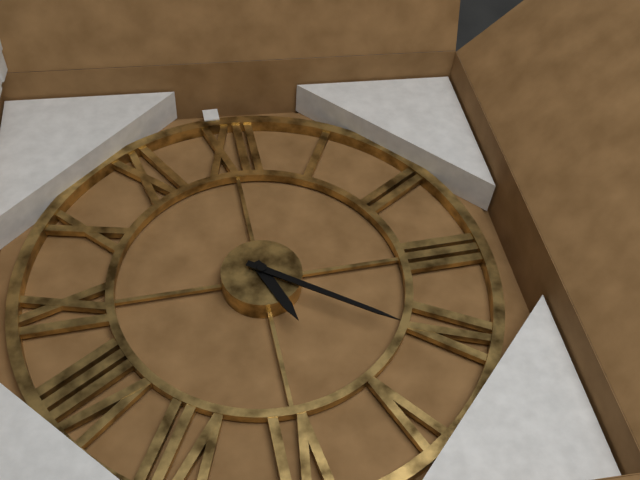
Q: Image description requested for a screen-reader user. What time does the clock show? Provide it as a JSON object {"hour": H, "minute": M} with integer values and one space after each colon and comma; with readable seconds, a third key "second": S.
{"hour": 5, "minute": 21}
